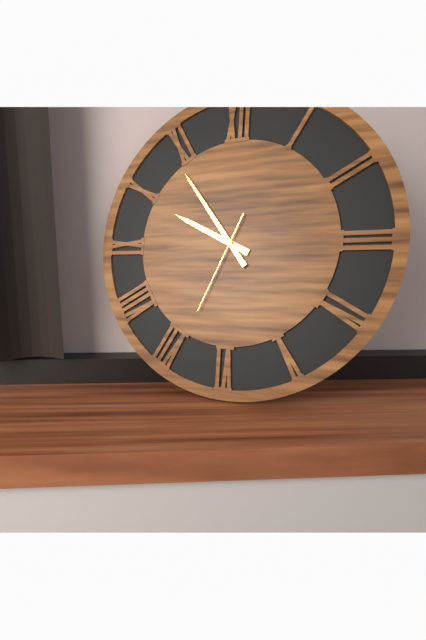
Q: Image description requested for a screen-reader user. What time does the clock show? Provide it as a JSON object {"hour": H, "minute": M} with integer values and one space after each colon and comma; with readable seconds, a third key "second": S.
{"hour": 9, "minute": 54, "second": 34}
